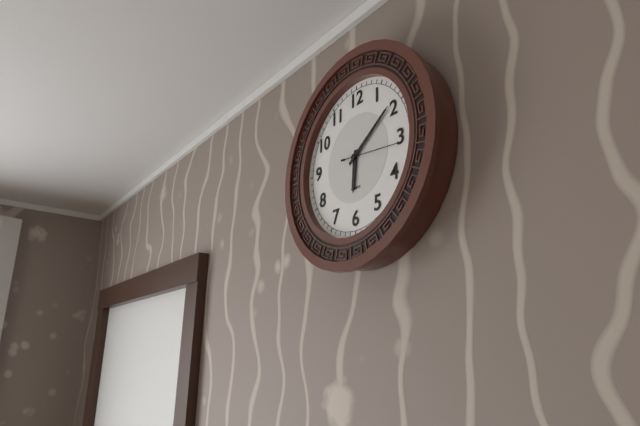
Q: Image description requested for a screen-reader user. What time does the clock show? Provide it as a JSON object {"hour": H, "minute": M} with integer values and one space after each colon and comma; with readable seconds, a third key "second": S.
{"hour": 6, "minute": 9, "second": 16}
